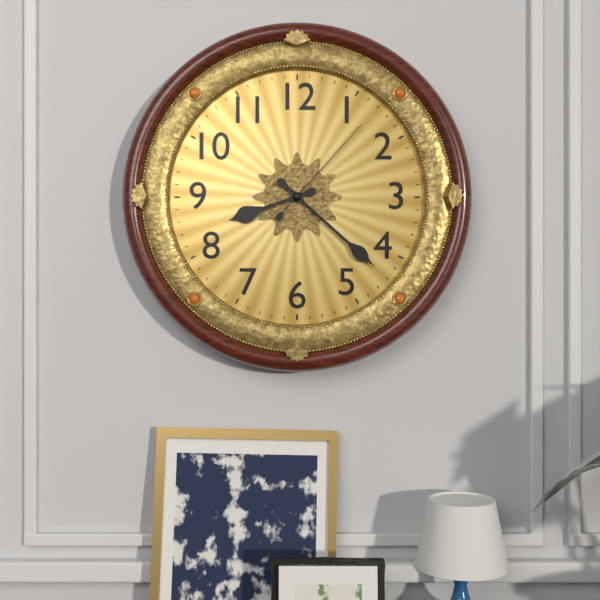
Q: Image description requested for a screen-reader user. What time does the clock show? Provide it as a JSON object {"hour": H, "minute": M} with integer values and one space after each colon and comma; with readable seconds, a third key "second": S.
{"hour": 8, "minute": 22, "second": 7}
